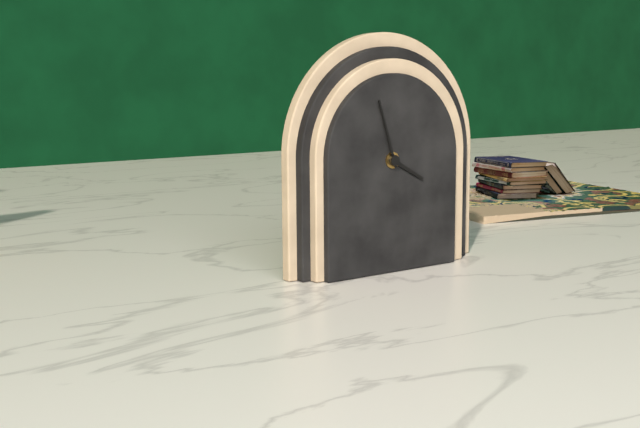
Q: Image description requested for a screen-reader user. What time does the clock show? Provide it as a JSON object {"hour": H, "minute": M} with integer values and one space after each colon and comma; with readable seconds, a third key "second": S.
{"hour": 3, "minute": 57}
